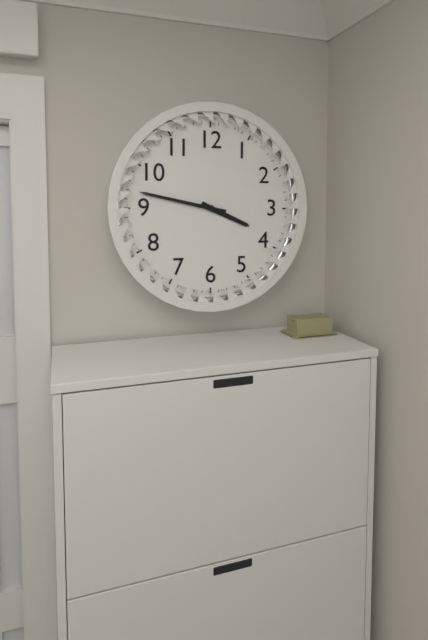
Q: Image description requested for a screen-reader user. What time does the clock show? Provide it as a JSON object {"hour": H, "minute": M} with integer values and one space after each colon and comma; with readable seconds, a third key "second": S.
{"hour": 3, "minute": 47}
